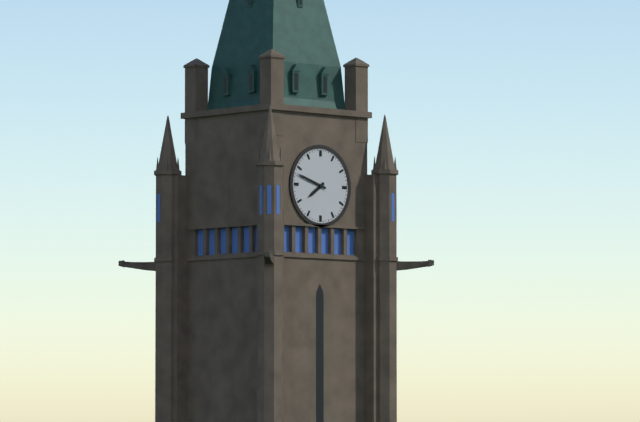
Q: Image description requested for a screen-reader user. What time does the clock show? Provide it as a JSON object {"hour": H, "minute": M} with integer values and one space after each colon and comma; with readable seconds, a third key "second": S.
{"hour": 7, "minute": 48}
